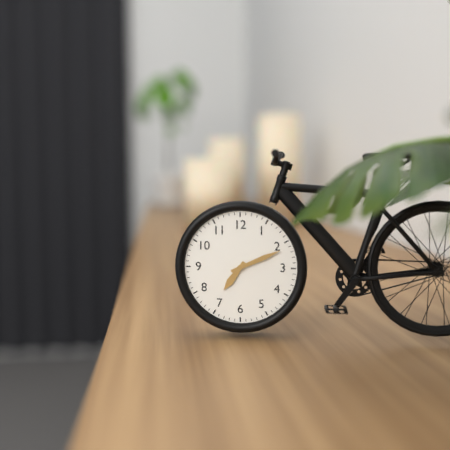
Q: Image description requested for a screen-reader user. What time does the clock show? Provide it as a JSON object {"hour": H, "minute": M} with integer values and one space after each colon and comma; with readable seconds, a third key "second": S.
{"hour": 7, "minute": 11}
